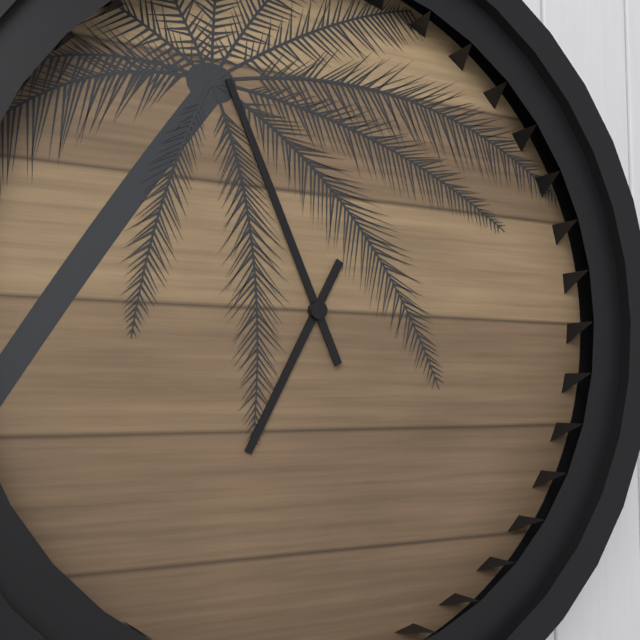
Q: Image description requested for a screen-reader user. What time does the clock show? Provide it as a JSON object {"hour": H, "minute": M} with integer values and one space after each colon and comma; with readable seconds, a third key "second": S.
{"hour": 6, "minute": 56}
